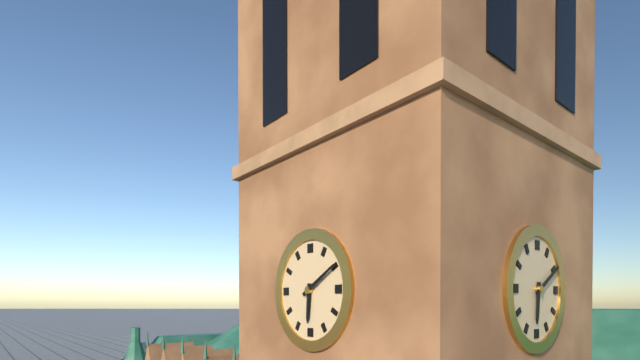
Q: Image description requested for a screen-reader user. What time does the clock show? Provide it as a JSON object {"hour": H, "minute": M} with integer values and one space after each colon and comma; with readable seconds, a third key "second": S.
{"hour": 6, "minute": 10}
